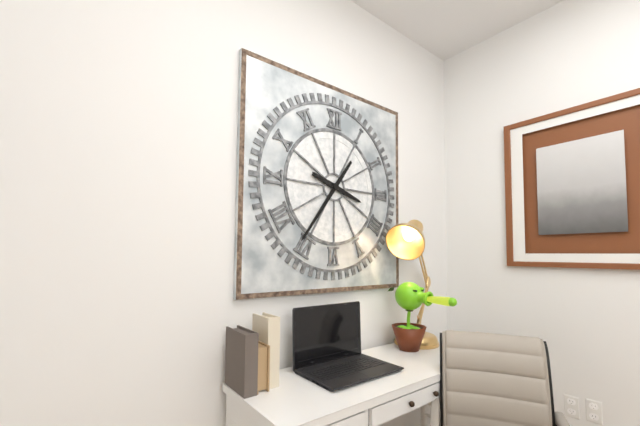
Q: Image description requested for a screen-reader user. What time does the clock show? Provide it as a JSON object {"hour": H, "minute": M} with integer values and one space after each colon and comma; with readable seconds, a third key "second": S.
{"hour": 3, "minute": 36}
